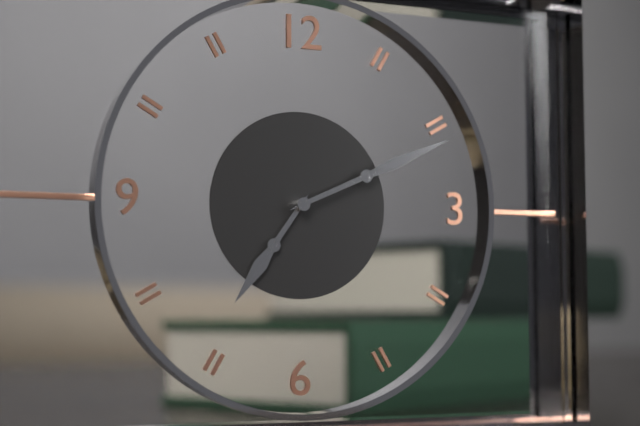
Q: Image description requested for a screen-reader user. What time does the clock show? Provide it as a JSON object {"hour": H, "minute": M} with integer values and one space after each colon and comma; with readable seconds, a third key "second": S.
{"hour": 7, "minute": 11}
